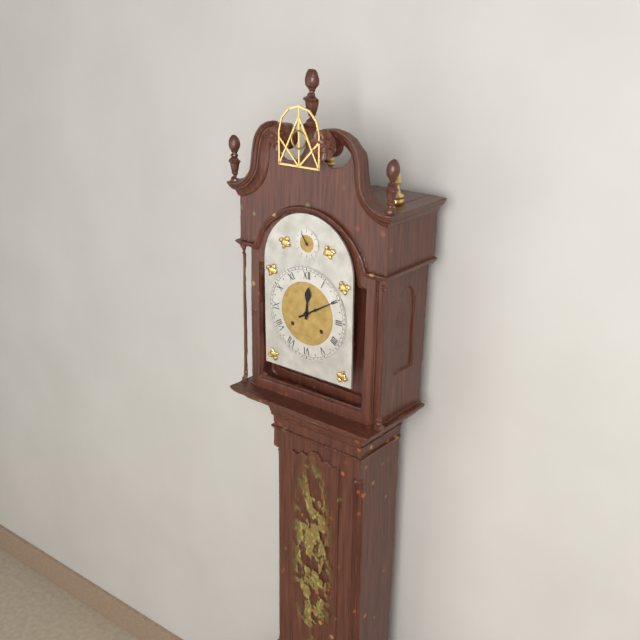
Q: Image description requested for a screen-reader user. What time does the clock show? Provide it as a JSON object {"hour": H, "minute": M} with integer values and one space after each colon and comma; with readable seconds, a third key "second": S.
{"hour": 12, "minute": 10}
